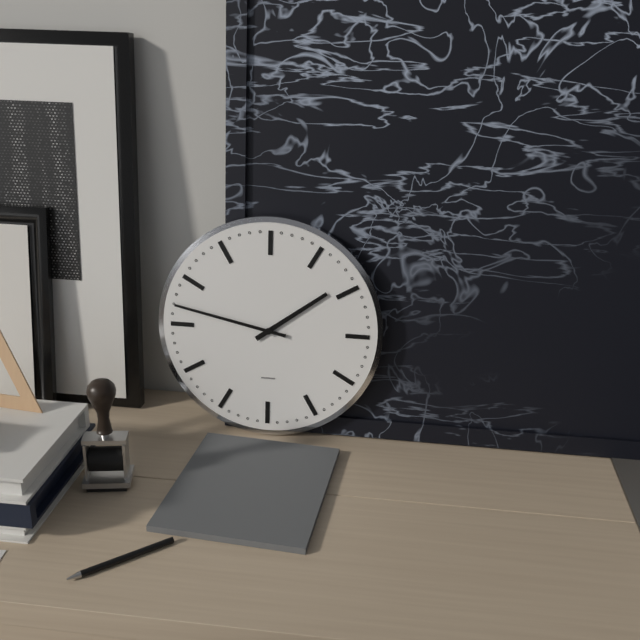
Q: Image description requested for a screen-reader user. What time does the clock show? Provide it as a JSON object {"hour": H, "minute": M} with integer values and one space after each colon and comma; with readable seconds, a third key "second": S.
{"hour": 1, "minute": 47}
